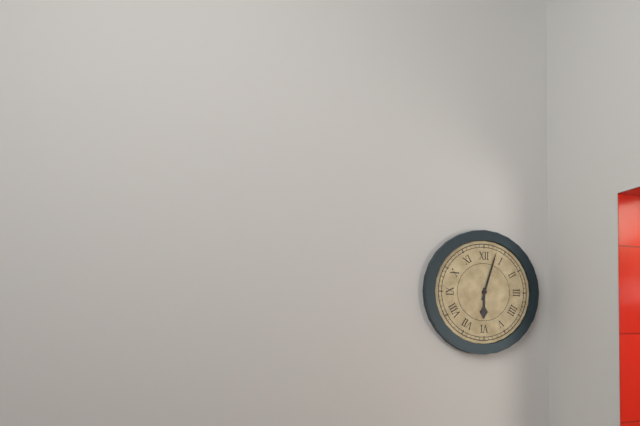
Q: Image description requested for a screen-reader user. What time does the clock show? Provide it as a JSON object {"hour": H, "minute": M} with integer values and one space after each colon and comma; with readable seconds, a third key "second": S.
{"hour": 6, "minute": 3}
